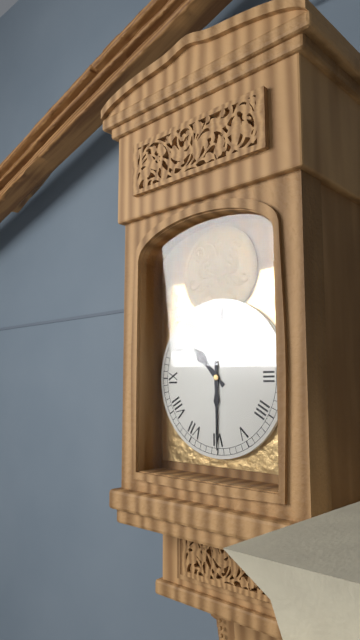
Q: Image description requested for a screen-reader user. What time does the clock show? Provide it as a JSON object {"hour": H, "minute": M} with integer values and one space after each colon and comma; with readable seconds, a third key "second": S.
{"hour": 10, "minute": 30}
